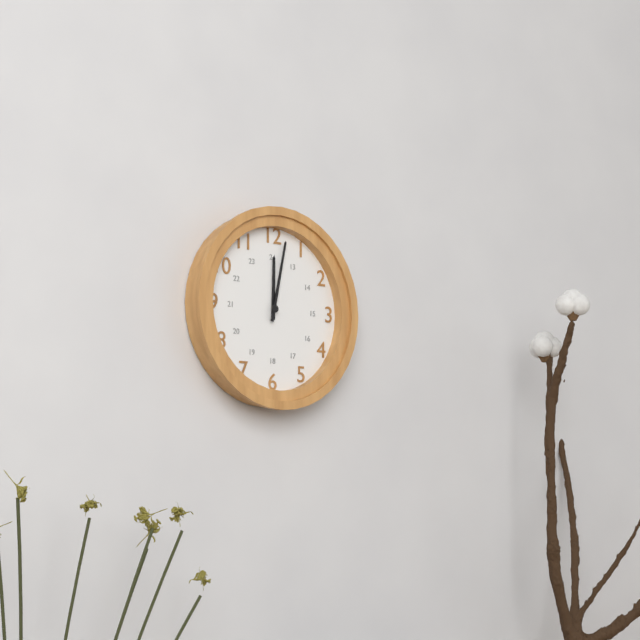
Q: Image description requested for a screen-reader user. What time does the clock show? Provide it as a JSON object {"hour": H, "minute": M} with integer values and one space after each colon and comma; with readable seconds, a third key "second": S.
{"hour": 12, "minute": 2}
